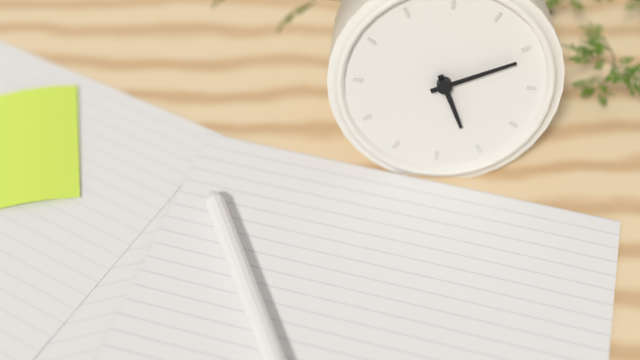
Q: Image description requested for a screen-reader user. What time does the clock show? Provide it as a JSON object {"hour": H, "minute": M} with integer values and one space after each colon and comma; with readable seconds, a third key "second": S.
{"hour": 5, "minute": 11}
